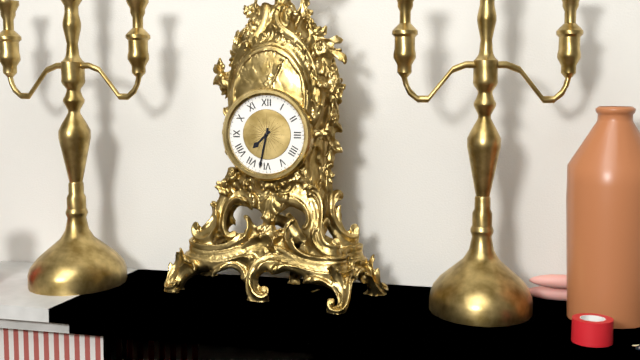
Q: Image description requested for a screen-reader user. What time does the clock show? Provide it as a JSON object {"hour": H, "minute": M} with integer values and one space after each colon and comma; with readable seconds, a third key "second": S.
{"hour": 7, "minute": 32}
